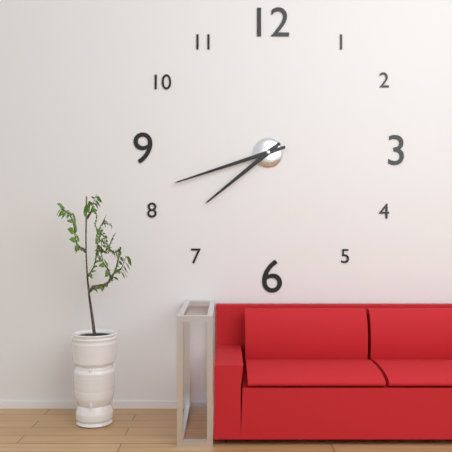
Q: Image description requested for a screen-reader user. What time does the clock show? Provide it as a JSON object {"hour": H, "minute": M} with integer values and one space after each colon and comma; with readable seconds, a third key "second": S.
{"hour": 7, "minute": 42}
